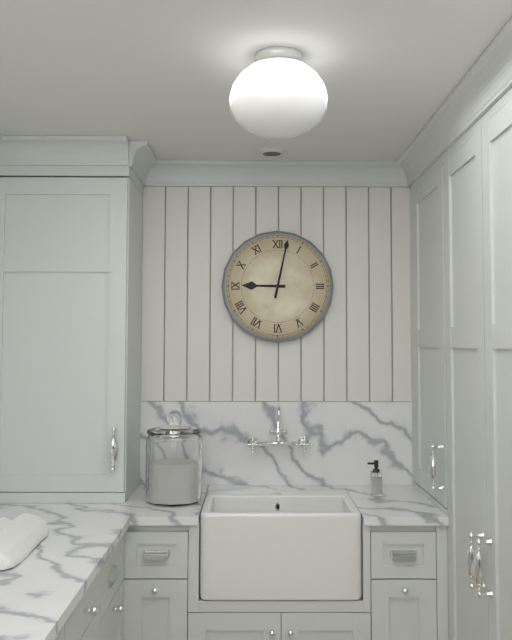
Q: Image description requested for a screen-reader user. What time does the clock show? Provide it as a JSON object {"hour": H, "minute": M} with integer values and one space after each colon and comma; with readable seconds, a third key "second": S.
{"hour": 9, "minute": 2}
